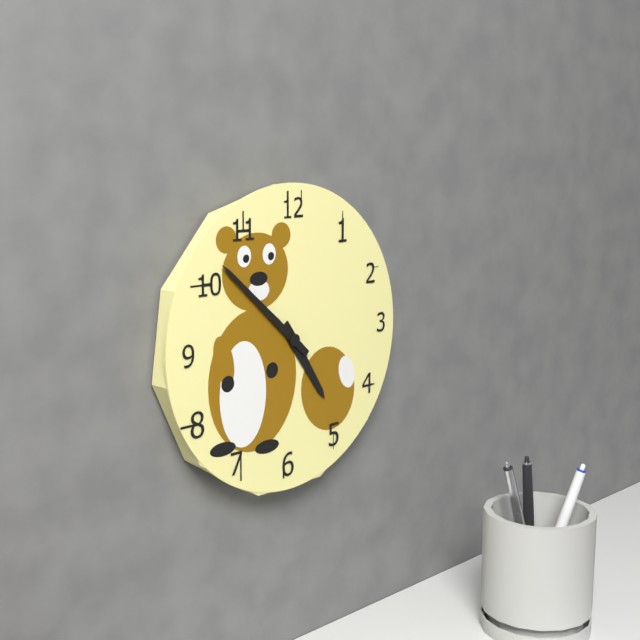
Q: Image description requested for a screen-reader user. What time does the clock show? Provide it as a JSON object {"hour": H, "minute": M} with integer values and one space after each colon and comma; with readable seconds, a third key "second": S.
{"hour": 4, "minute": 52}
